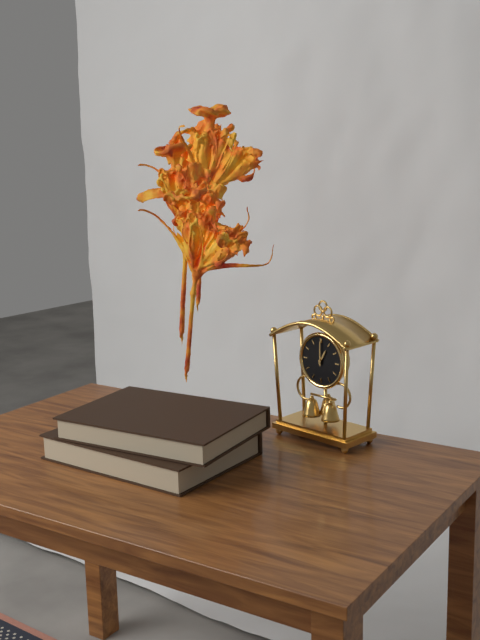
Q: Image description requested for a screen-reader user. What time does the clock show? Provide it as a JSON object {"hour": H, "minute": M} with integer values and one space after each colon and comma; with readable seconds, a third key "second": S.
{"hour": 1, "minute": 0}
